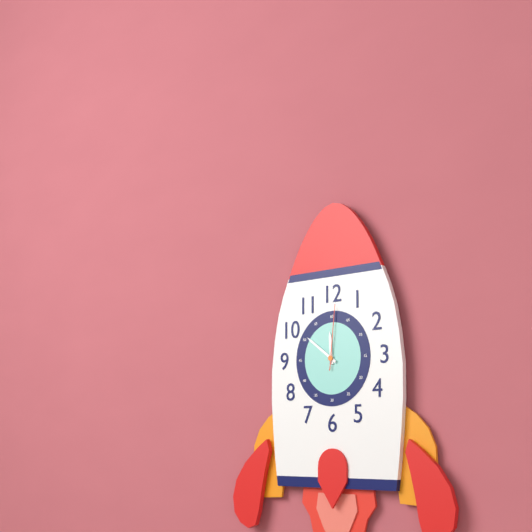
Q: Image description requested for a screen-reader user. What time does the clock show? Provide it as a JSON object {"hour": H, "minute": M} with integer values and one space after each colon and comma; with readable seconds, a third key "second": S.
{"hour": 11, "minute": 51, "second": 1}
